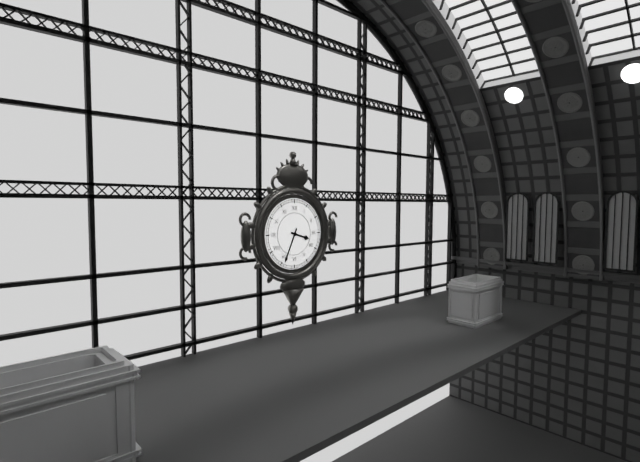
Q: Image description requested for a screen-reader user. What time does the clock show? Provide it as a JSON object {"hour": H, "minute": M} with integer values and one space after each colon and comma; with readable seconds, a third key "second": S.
{"hour": 3, "minute": 34}
